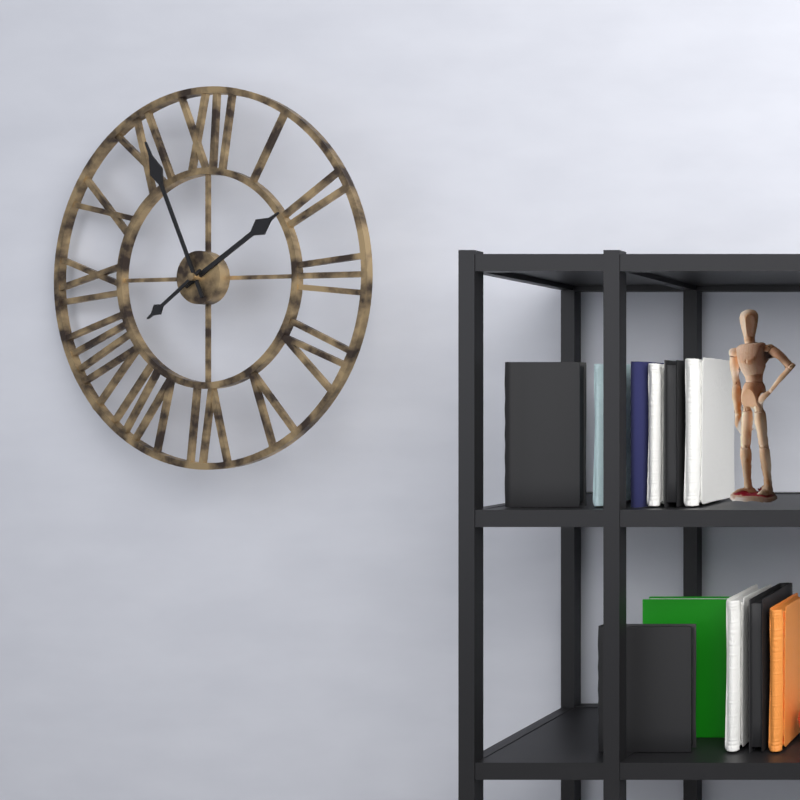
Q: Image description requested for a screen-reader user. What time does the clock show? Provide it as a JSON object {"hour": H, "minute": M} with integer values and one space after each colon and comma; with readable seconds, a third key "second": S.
{"hour": 1, "minute": 56, "second": 39}
